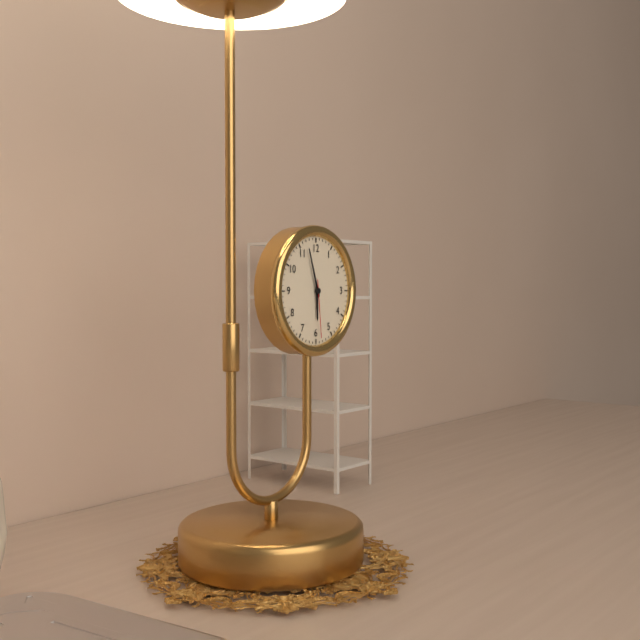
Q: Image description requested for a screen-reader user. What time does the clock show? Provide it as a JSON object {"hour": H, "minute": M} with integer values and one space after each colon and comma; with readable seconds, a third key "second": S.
{"hour": 5, "minute": 57, "second": 29}
